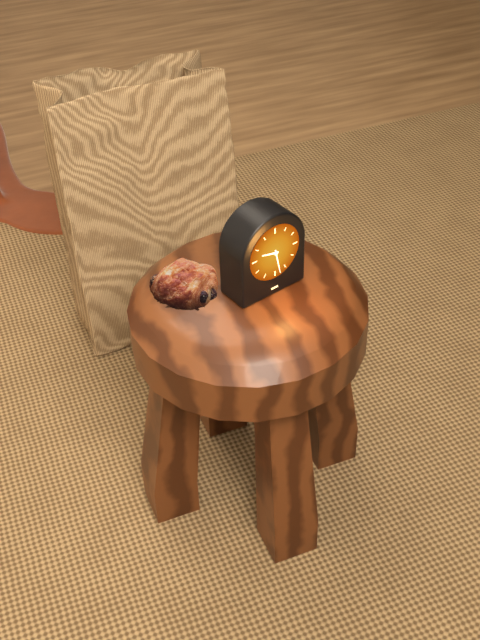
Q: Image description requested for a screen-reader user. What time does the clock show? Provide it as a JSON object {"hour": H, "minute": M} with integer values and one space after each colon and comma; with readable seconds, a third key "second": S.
{"hour": 9, "minute": 28}
